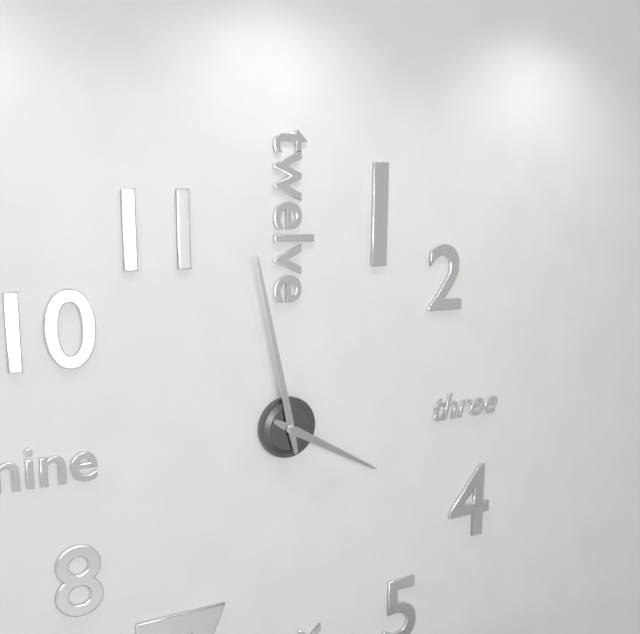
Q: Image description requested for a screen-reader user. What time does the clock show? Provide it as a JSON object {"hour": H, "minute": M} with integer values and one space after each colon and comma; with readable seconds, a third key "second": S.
{"hour": 3, "minute": 58}
